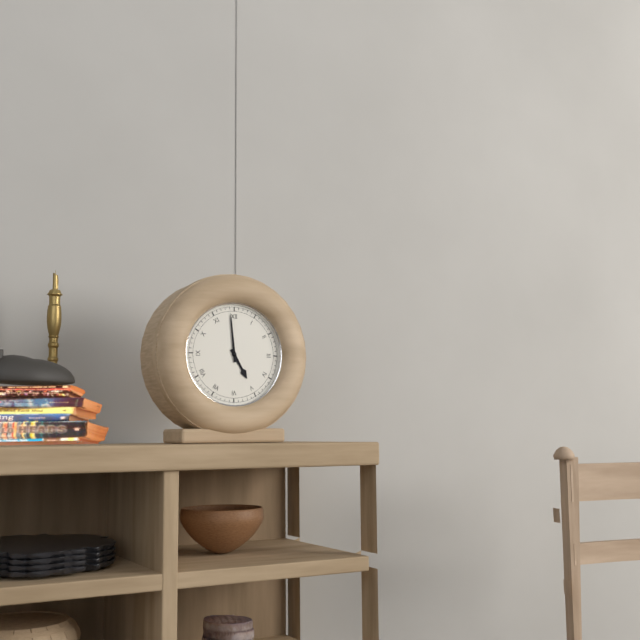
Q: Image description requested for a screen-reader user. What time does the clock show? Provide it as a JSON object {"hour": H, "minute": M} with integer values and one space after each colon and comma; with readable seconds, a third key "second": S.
{"hour": 4, "minute": 59}
